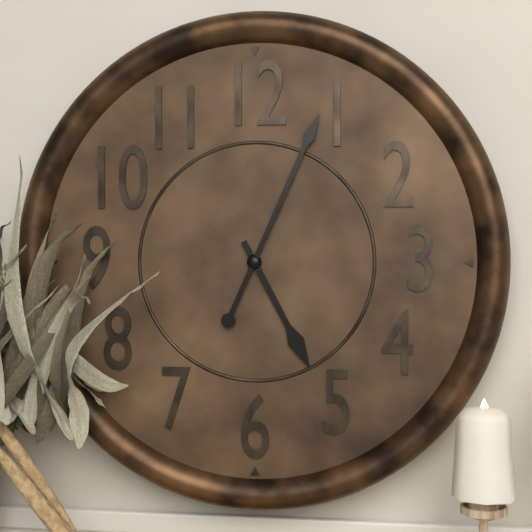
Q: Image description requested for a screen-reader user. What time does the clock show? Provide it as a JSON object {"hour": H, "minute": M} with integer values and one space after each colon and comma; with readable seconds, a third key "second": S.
{"hour": 5, "minute": 4}
